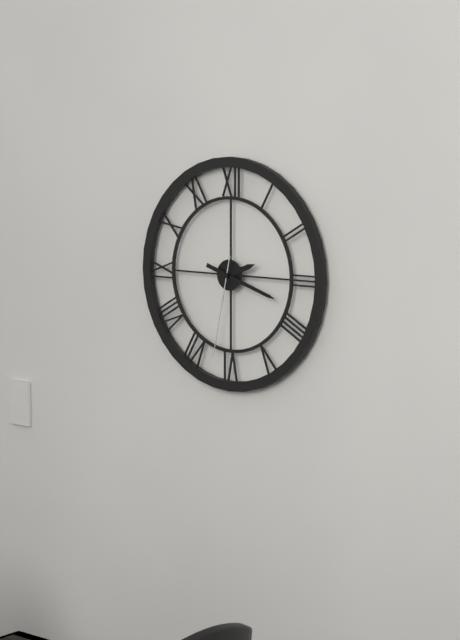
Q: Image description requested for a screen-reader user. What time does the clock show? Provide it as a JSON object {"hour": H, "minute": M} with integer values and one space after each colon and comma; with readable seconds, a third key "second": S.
{"hour": 2, "minute": 18, "second": 32}
